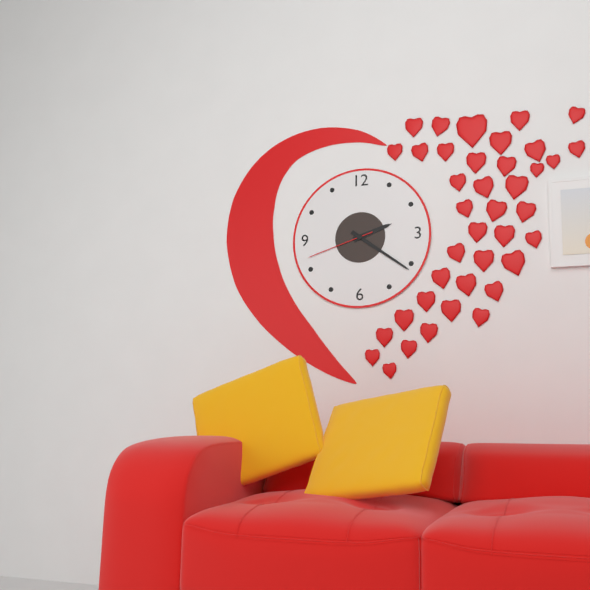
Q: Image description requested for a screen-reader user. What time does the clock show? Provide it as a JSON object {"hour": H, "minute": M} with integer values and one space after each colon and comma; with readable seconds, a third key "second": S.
{"hour": 2, "minute": 21, "second": 42}
